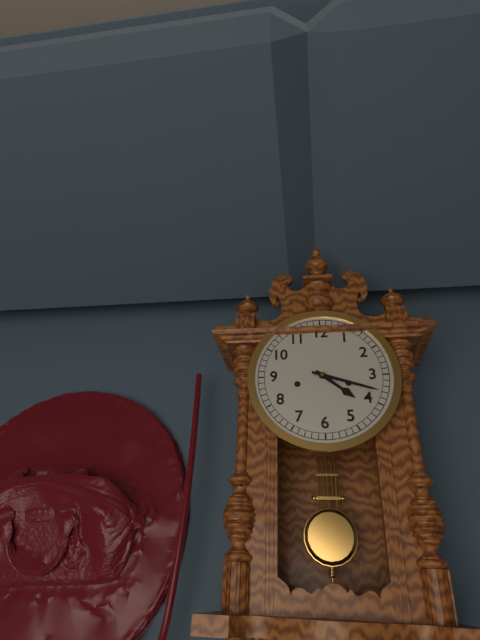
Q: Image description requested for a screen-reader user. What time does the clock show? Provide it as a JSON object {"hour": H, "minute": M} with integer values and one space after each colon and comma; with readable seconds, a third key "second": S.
{"hour": 4, "minute": 18}
